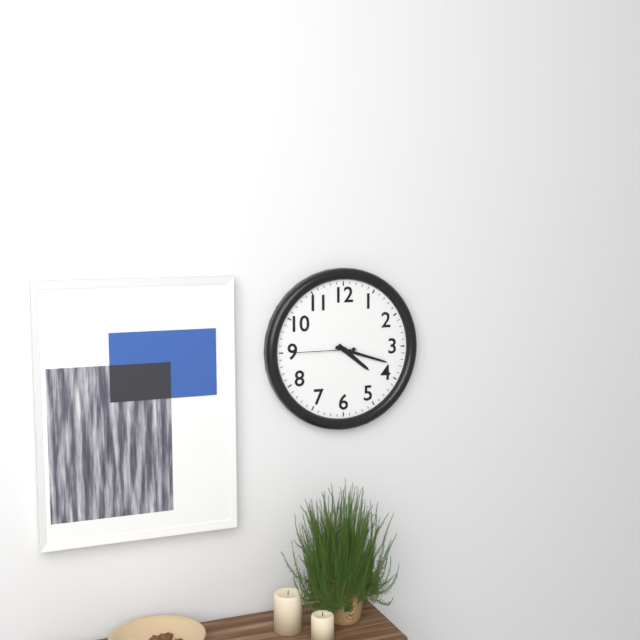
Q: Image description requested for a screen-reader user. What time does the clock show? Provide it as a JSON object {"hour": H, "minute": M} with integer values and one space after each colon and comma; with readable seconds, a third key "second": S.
{"hour": 4, "minute": 18, "second": 45}
